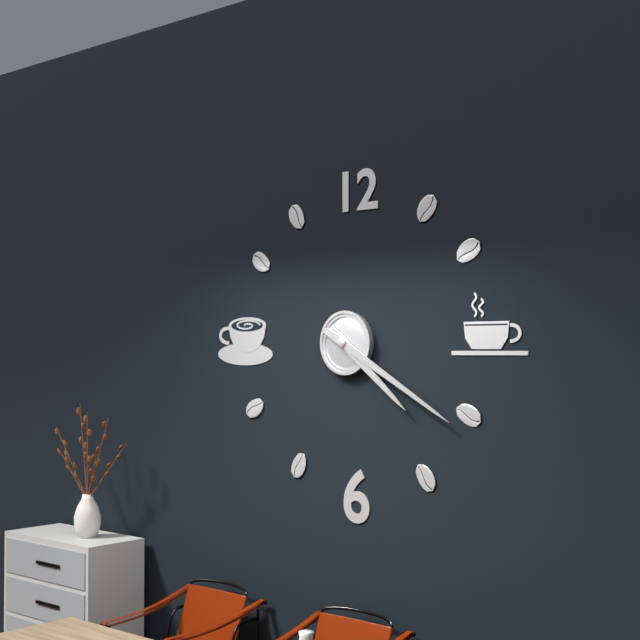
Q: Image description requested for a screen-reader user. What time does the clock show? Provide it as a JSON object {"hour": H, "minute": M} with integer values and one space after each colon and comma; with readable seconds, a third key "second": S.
{"hour": 4, "minute": 20}
